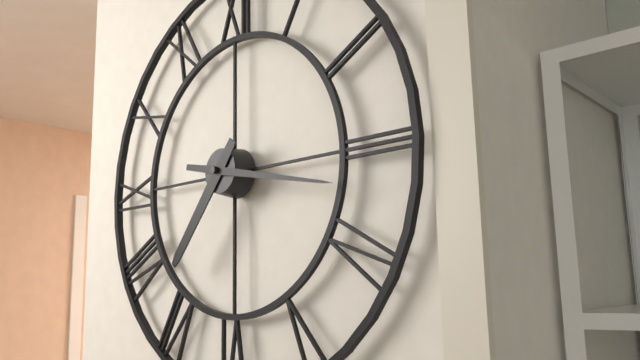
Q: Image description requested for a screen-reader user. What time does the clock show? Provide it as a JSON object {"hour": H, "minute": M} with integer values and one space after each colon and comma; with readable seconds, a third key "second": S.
{"hour": 7, "minute": 17}
